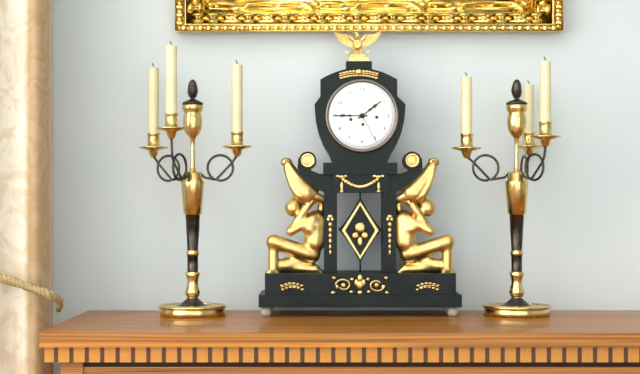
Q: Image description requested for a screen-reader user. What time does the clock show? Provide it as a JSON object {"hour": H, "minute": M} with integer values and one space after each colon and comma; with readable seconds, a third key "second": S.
{"hour": 1, "minute": 45}
